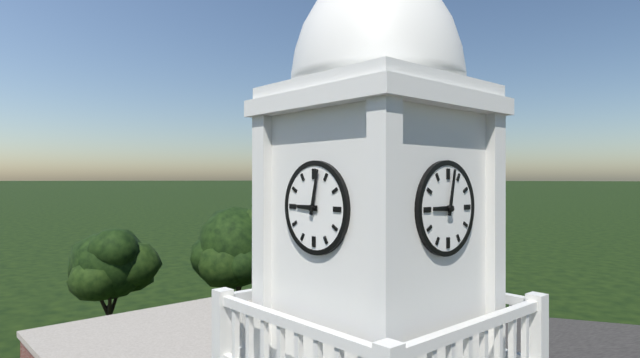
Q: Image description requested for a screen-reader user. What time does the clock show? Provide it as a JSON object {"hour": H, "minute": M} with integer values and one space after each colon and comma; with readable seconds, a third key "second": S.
{"hour": 9, "minute": 2}
